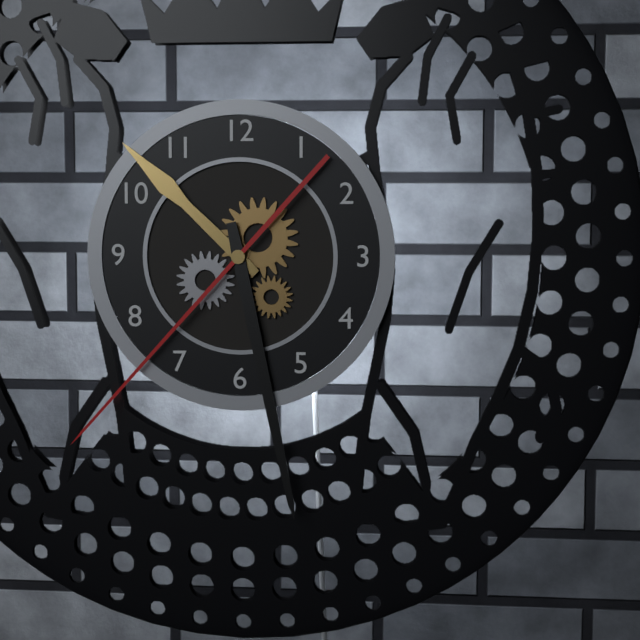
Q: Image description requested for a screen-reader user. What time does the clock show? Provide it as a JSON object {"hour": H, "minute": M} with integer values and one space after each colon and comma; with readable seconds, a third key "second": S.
{"hour": 10, "minute": 28, "second": 37}
